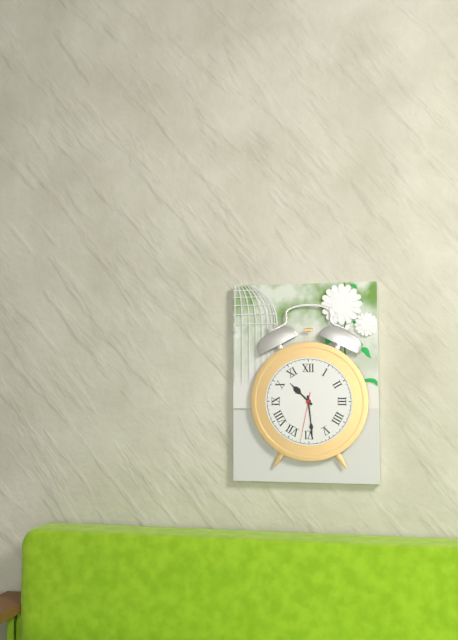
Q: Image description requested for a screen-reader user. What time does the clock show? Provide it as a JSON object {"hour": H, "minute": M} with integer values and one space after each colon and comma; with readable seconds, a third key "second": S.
{"hour": 10, "minute": 29, "second": 32}
